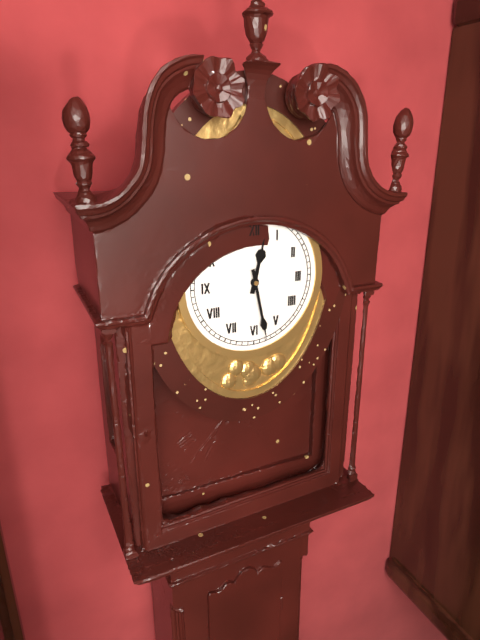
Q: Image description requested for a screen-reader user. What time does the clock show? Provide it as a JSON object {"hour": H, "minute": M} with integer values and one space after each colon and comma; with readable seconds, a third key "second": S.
{"hour": 12, "minute": 28}
